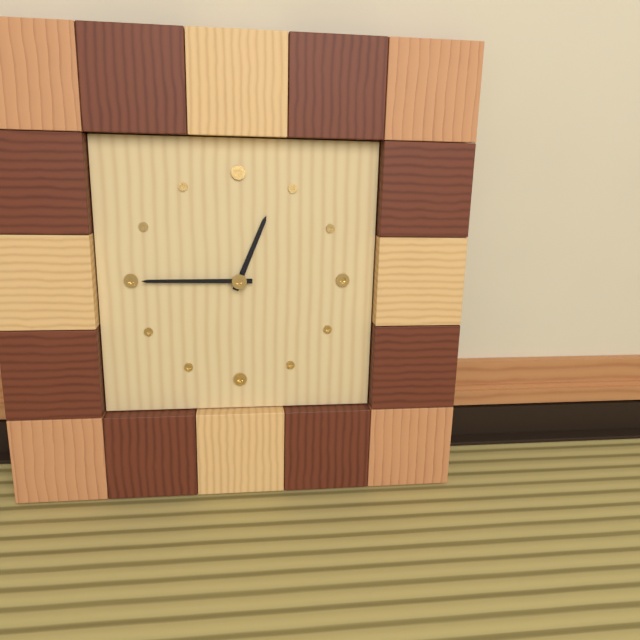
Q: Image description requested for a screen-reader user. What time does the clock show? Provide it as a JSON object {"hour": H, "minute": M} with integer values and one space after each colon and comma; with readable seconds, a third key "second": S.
{"hour": 12, "minute": 45}
